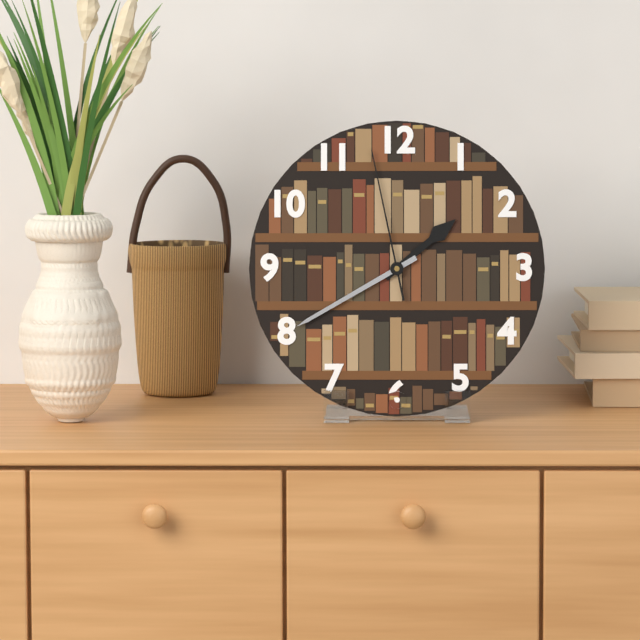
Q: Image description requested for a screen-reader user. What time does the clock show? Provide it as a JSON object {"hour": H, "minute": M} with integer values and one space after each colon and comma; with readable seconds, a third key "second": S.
{"hour": 1, "minute": 40, "second": 58}
